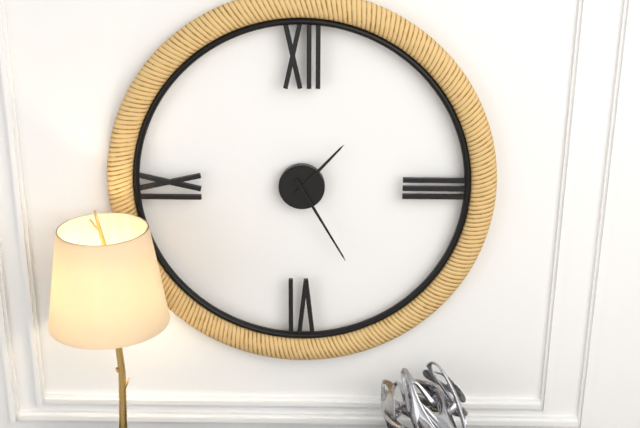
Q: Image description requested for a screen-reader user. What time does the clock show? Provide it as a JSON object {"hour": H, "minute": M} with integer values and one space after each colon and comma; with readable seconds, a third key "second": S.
{"hour": 1, "minute": 25}
